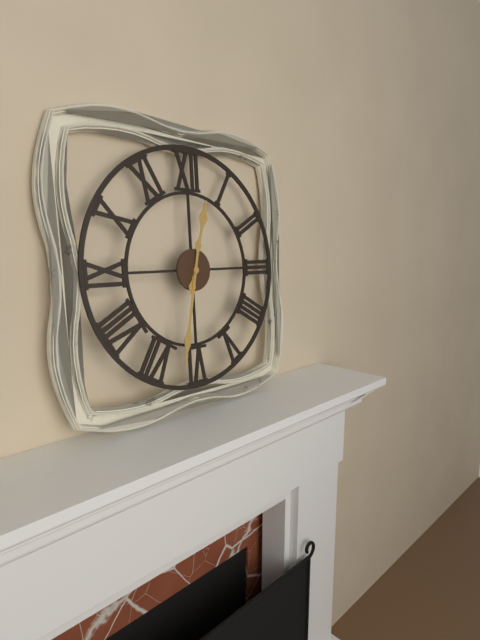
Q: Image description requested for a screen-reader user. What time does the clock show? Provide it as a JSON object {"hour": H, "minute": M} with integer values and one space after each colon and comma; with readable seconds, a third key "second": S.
{"hour": 12, "minute": 32}
